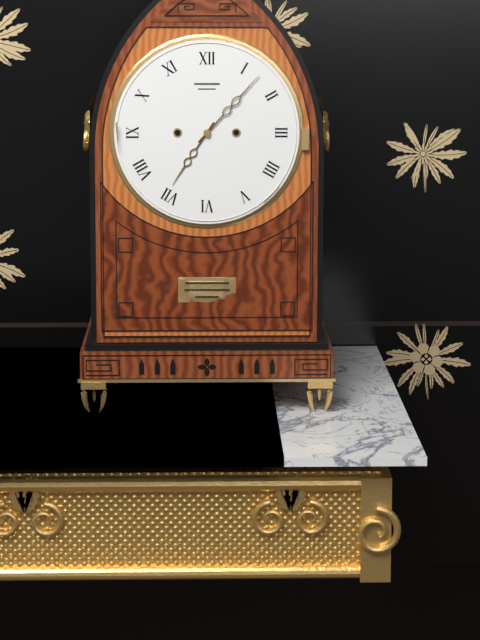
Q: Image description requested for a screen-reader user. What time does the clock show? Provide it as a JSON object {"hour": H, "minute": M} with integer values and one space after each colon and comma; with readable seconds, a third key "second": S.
{"hour": 7, "minute": 7}
